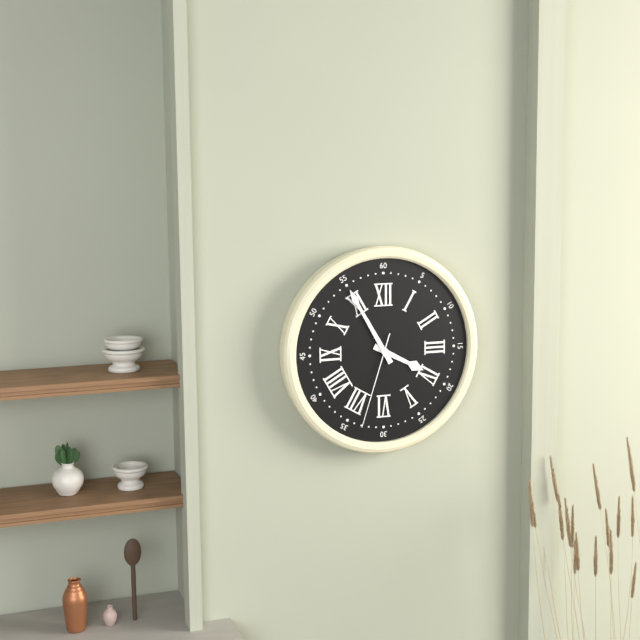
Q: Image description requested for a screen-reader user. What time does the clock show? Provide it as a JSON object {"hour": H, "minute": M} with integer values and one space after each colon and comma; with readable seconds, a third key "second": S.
{"hour": 3, "minute": 55, "second": 33}
